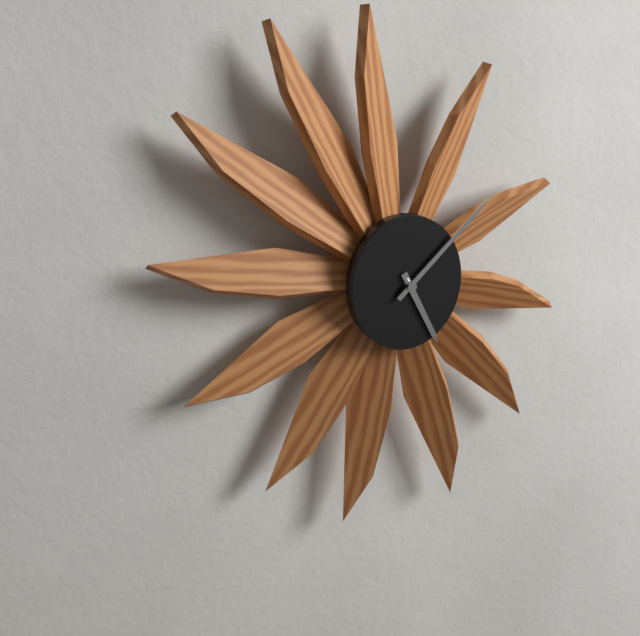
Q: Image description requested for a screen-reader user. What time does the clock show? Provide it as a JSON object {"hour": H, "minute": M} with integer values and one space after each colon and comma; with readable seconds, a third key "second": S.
{"hour": 5, "minute": 8}
